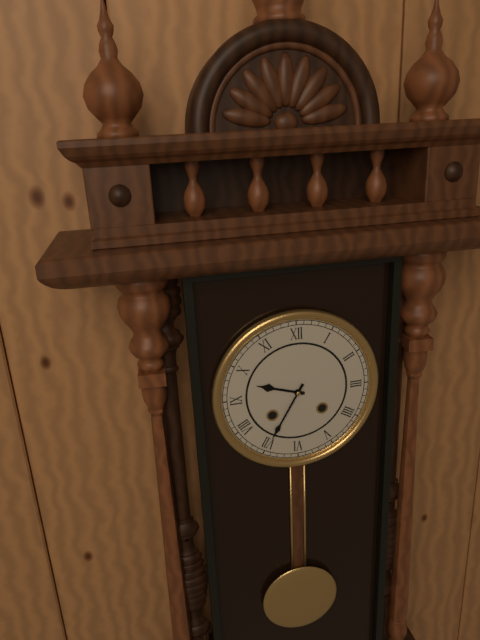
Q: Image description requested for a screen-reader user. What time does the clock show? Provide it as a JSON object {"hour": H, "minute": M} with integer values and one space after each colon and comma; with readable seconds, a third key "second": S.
{"hour": 9, "minute": 35}
